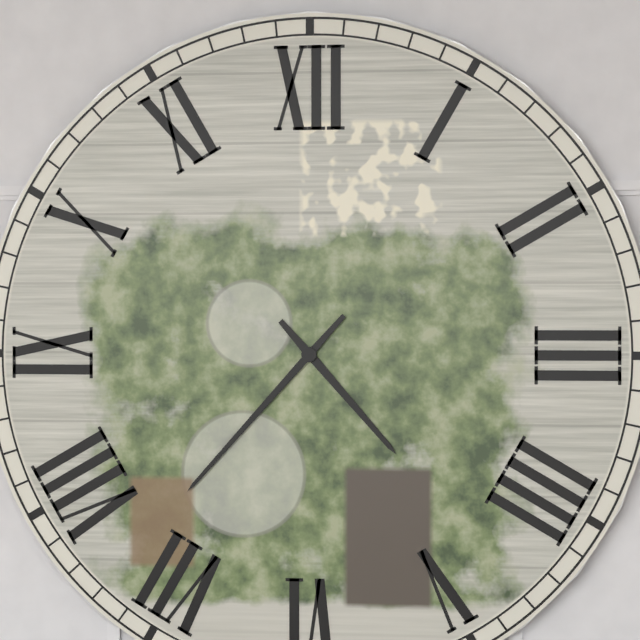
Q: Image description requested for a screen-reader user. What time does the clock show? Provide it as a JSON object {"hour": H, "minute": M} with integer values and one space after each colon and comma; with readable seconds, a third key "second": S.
{"hour": 4, "minute": 37}
